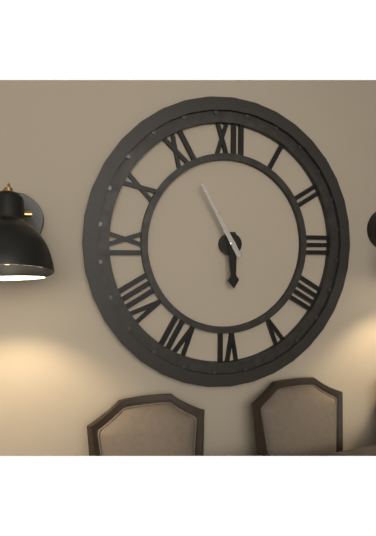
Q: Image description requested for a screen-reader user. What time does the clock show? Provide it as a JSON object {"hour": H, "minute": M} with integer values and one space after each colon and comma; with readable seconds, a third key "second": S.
{"hour": 5, "minute": 55}
